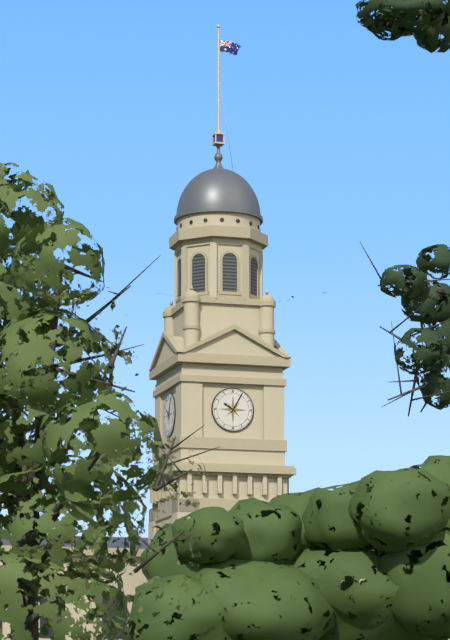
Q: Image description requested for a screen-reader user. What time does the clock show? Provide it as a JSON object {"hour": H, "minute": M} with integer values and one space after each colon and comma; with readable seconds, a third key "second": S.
{"hour": 10, "minute": 5}
